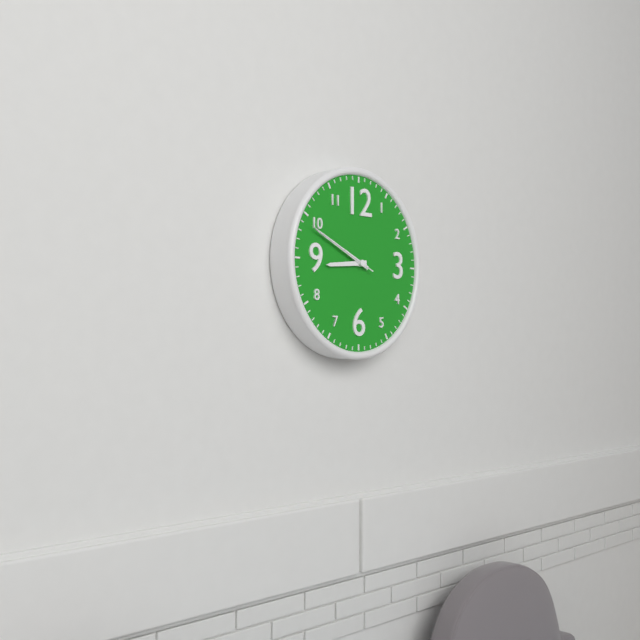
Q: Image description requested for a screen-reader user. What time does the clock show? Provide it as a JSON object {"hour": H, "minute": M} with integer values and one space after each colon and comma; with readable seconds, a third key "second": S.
{"hour": 8, "minute": 49, "second": 49}
